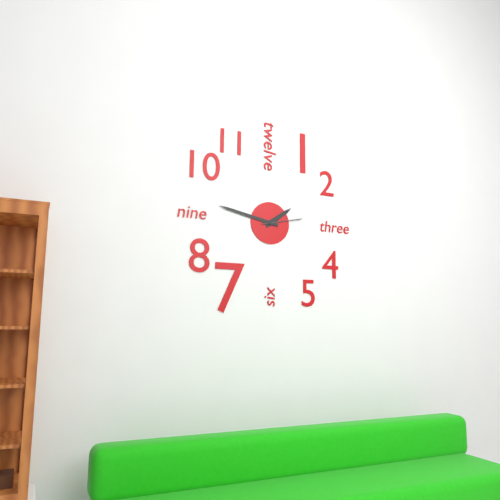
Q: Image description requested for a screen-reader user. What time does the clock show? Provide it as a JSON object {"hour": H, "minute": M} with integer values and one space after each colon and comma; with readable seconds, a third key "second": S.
{"hour": 1, "minute": 47}
